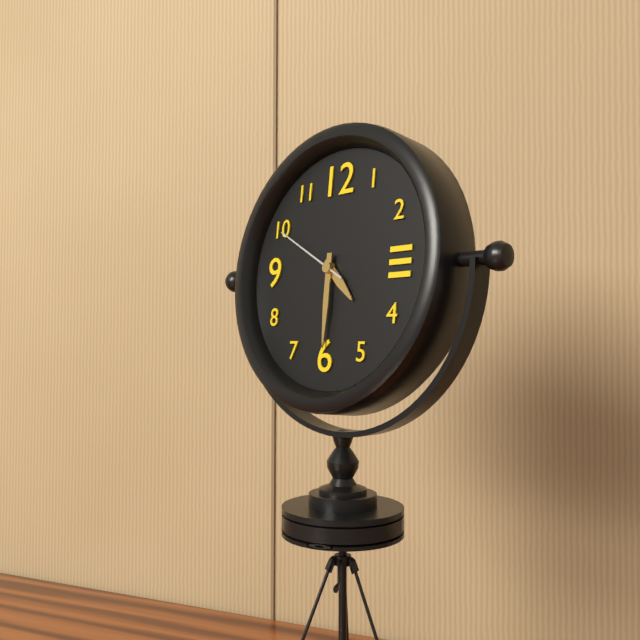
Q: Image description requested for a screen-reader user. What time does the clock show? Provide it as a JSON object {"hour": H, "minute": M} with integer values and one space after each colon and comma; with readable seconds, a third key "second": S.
{"hour": 4, "minute": 30, "second": 50}
